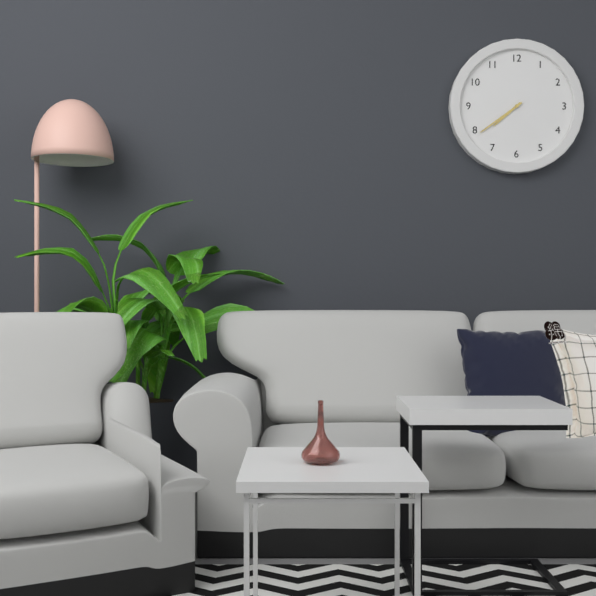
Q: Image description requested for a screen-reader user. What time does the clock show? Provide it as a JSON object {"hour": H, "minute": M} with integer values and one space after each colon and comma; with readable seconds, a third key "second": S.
{"hour": 7, "minute": 39}
